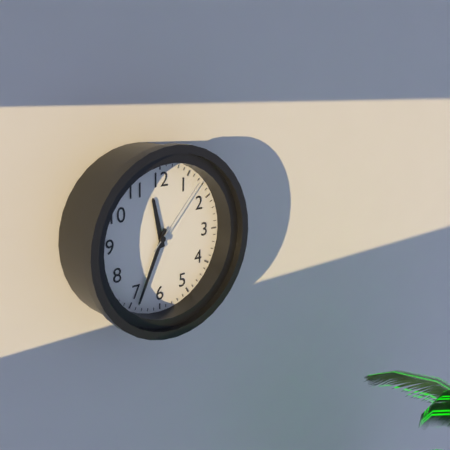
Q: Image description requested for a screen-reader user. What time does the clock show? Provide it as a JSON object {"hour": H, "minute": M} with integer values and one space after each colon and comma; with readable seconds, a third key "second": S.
{"hour": 11, "minute": 34, "second": 7}
